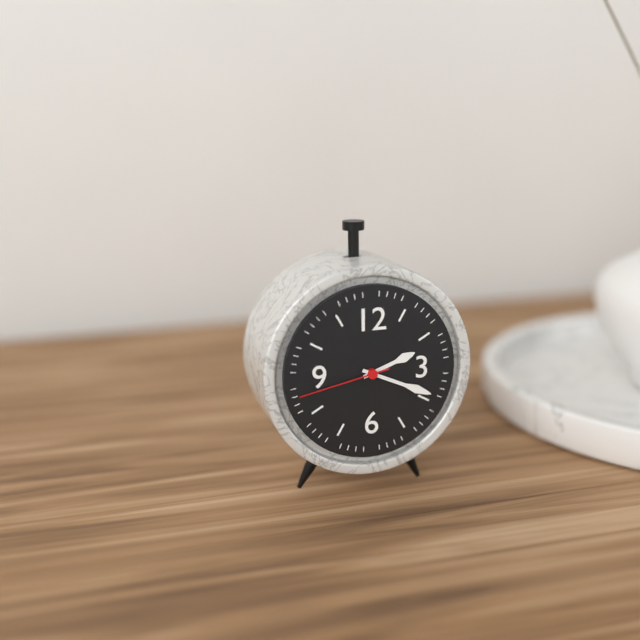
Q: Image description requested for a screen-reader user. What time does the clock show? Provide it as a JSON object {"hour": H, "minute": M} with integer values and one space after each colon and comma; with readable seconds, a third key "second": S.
{"hour": 2, "minute": 19, "second": 43}
